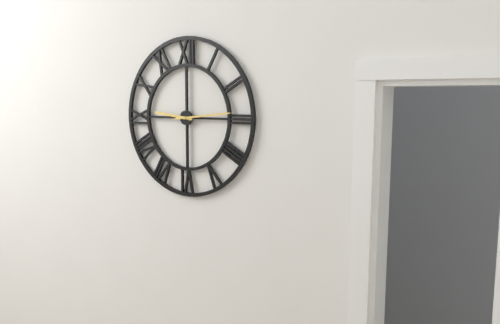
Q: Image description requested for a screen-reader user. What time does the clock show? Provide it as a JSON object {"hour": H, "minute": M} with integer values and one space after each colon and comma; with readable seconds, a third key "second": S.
{"hour": 9, "minute": 14}
